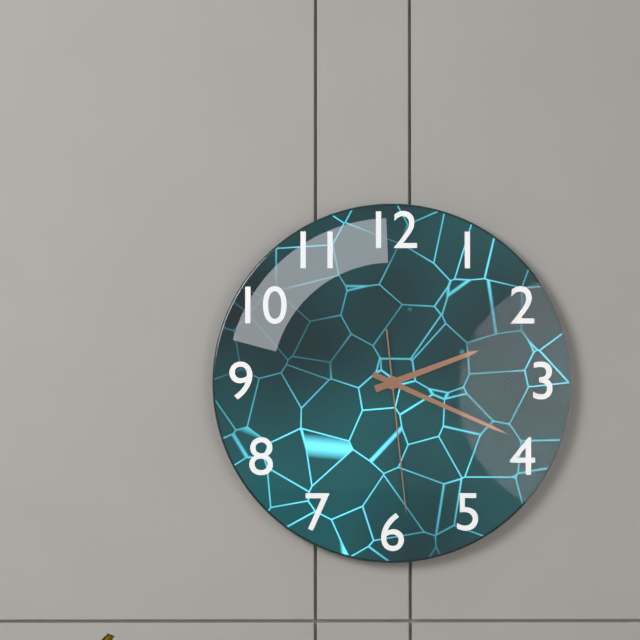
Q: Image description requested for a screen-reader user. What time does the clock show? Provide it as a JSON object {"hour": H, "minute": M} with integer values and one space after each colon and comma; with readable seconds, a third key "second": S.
{"hour": 2, "minute": 19, "second": 29}
